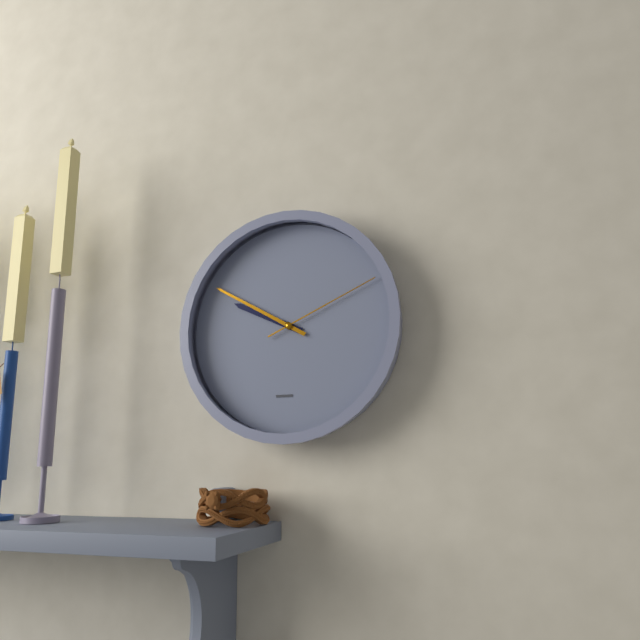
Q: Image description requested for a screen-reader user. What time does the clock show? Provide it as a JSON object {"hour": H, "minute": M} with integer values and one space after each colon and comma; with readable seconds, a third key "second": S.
{"hour": 9, "minute": 50, "second": 11}
